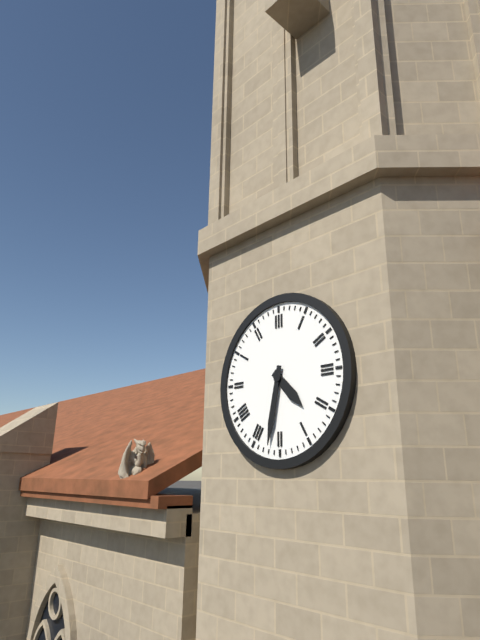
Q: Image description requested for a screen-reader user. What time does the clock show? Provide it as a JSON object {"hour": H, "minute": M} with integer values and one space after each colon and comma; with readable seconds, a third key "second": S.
{"hour": 4, "minute": 32}
